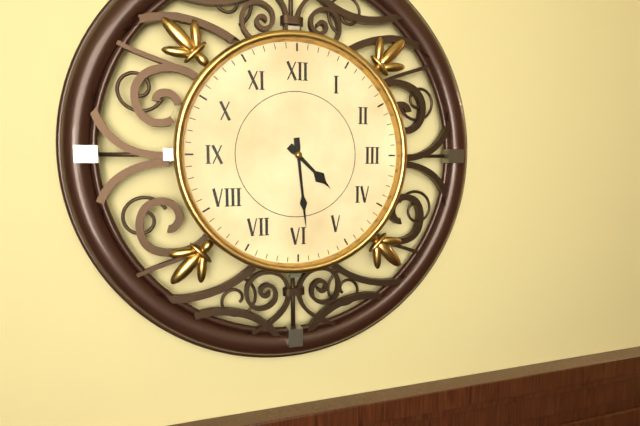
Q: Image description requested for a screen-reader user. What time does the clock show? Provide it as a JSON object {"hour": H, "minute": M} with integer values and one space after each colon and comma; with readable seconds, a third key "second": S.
{"hour": 4, "minute": 29}
